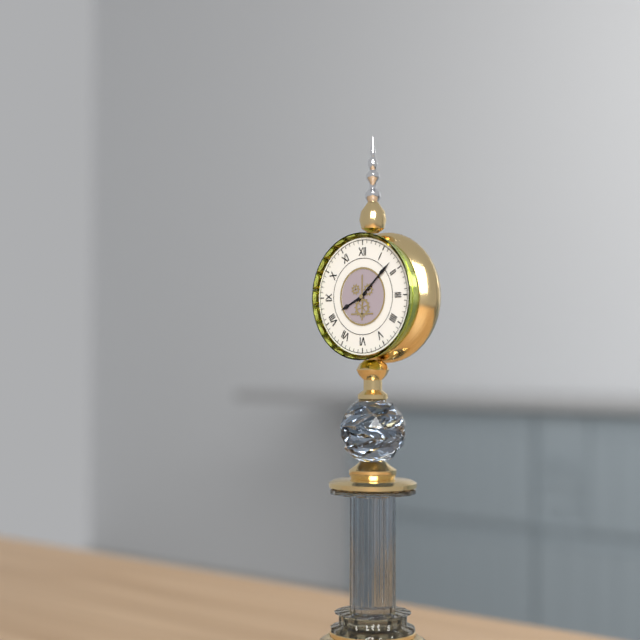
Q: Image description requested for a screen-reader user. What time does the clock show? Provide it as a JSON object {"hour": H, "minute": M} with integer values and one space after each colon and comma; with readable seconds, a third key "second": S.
{"hour": 8, "minute": 8}
